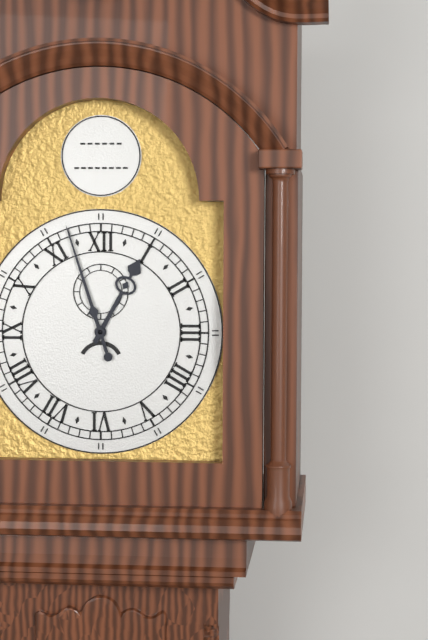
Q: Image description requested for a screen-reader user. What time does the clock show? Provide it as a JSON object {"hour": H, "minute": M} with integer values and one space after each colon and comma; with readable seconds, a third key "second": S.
{"hour": 12, "minute": 57}
